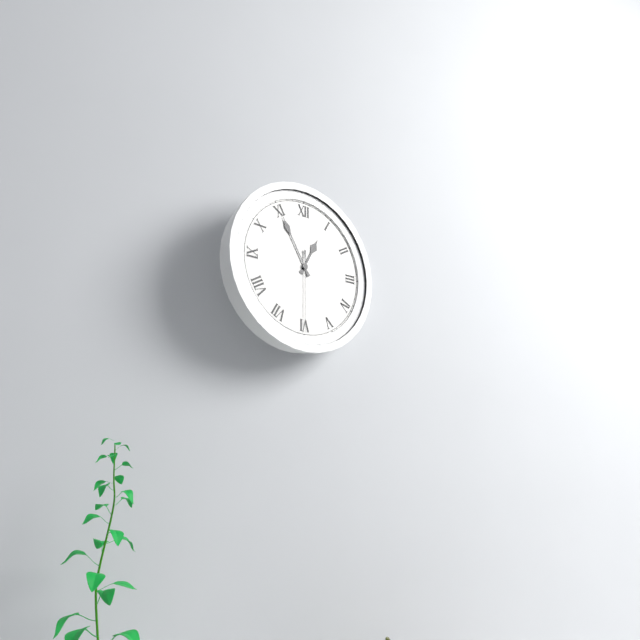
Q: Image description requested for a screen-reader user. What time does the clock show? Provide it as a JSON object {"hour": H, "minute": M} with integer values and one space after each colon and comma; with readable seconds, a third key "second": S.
{"hour": 12, "minute": 55, "second": 30}
